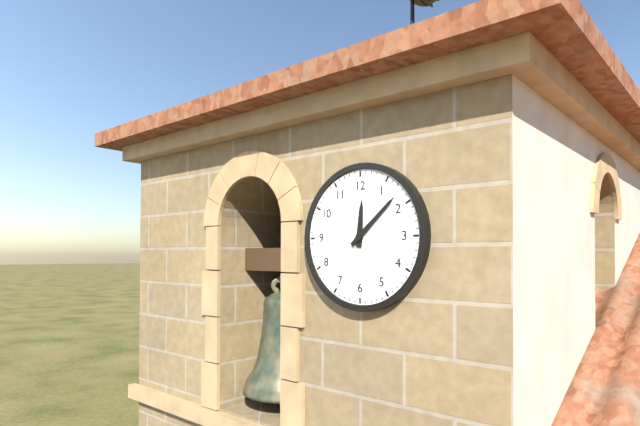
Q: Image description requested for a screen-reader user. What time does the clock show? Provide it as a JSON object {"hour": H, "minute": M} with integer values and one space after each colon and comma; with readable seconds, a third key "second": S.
{"hour": 12, "minute": 8}
